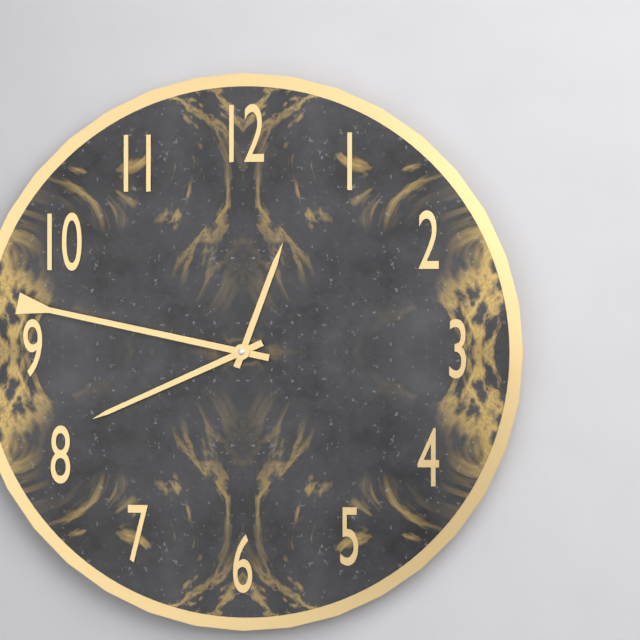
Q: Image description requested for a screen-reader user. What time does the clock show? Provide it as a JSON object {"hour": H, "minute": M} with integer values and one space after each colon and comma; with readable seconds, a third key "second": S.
{"hour": 12, "minute": 41, "second": 47}
